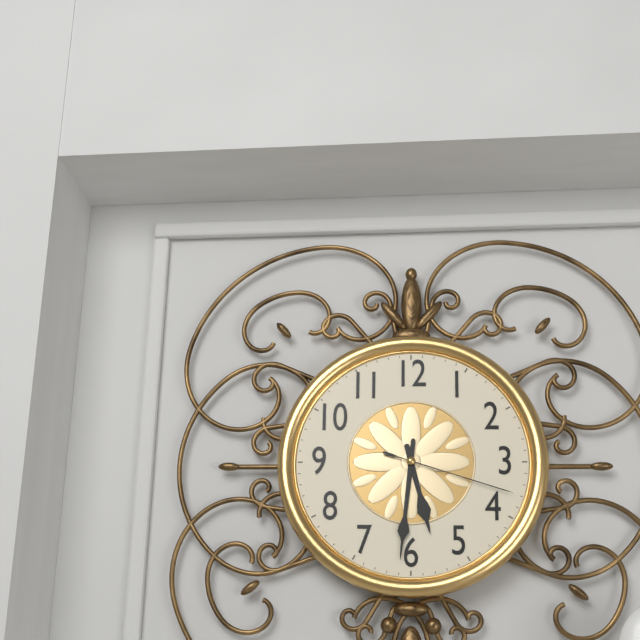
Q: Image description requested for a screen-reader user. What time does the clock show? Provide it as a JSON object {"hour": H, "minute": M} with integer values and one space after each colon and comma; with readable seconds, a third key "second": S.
{"hour": 5, "minute": 31, "second": 18}
